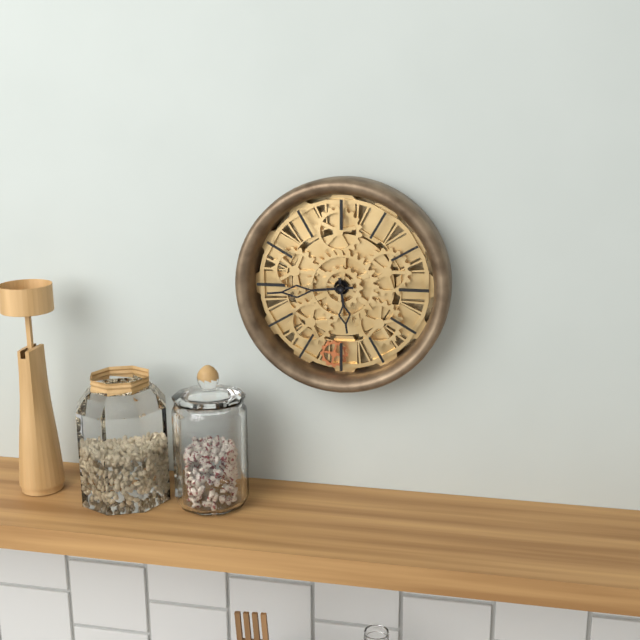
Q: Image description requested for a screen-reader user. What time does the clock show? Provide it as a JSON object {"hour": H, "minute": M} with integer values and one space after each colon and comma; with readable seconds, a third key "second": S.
{"hour": 5, "minute": 44}
